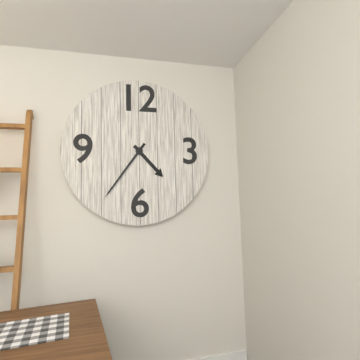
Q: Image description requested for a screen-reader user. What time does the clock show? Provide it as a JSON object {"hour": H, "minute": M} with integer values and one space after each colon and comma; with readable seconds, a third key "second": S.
{"hour": 4, "minute": 36}
